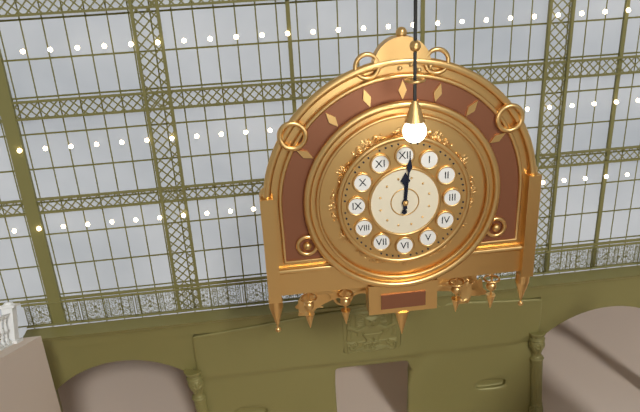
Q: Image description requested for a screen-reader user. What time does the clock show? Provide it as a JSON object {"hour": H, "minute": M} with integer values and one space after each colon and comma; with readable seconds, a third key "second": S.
{"hour": 12, "minute": 1}
